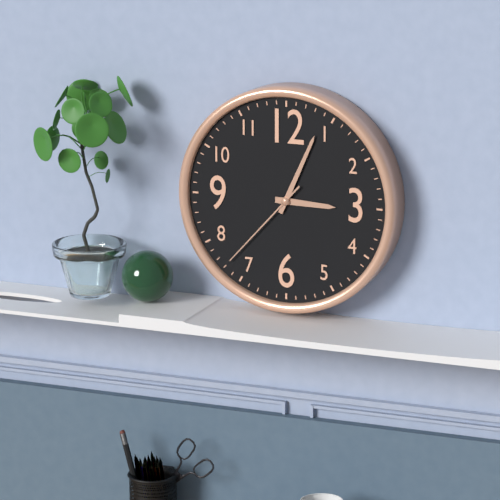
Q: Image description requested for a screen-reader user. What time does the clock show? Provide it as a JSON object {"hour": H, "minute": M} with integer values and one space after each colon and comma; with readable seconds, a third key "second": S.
{"hour": 3, "minute": 4, "second": 37}
